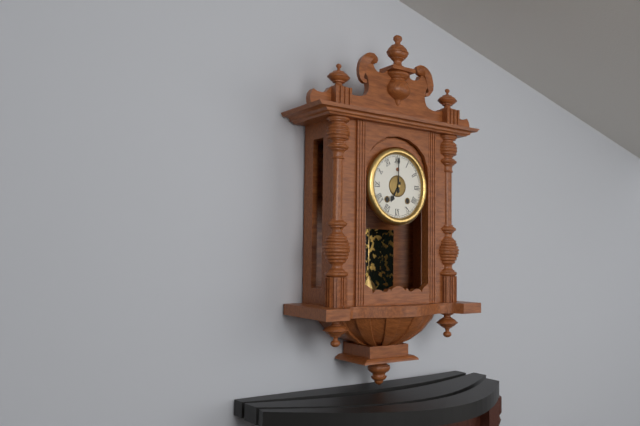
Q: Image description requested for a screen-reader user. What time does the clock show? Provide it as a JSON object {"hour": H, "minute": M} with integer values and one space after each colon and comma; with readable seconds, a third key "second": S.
{"hour": 7, "minute": 0}
